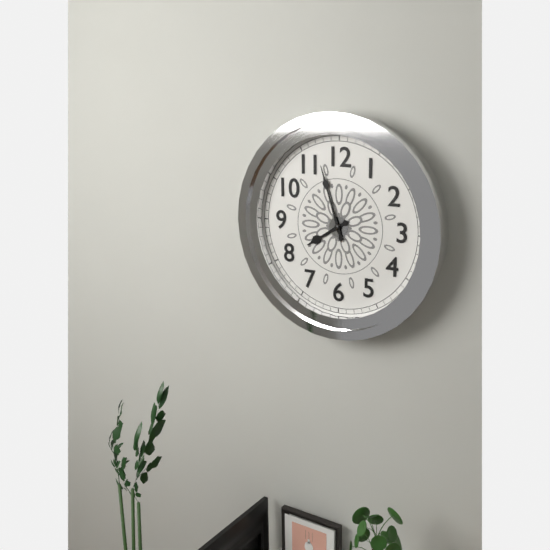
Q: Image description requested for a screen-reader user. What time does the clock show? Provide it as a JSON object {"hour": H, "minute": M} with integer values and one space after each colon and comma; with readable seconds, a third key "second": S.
{"hour": 7, "minute": 57}
